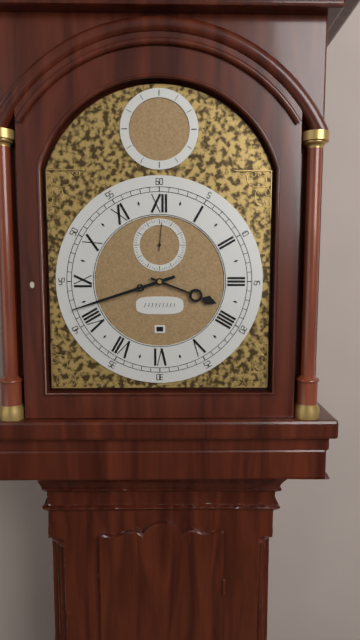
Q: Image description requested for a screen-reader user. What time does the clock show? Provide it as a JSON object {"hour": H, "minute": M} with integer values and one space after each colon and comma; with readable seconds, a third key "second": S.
{"hour": 3, "minute": 42}
